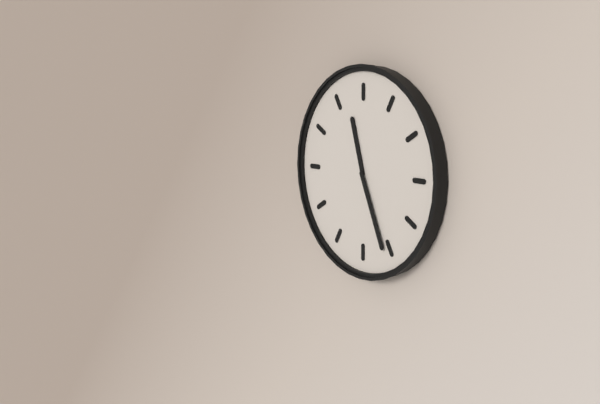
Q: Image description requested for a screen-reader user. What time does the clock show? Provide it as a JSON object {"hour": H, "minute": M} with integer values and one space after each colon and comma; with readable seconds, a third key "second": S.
{"hour": 11, "minute": 26}
